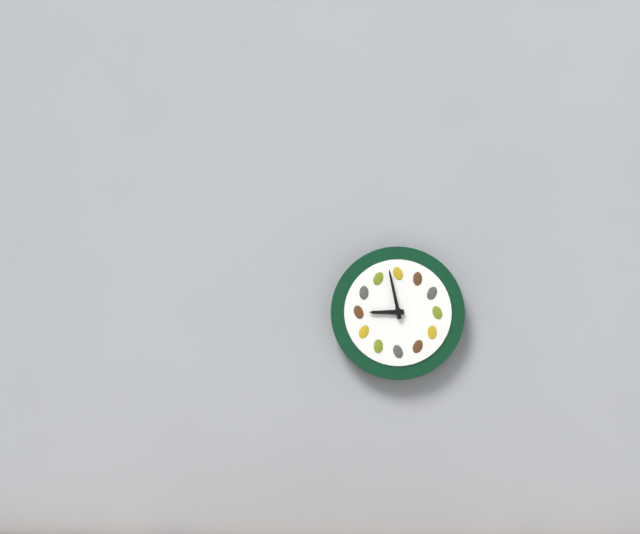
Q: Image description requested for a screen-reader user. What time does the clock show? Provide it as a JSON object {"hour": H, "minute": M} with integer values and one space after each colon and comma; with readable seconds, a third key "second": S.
{"hour": 8, "minute": 58}
